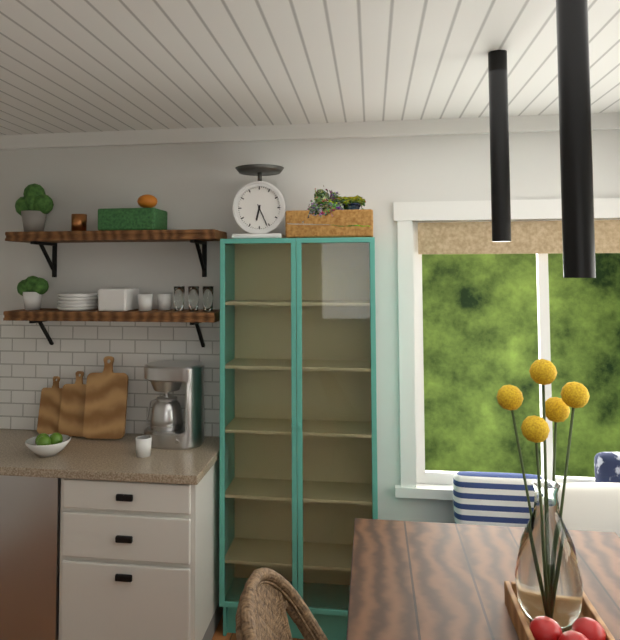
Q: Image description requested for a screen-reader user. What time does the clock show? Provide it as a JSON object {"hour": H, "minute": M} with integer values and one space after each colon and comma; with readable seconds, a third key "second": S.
{"hour": 6, "minute": 26}
